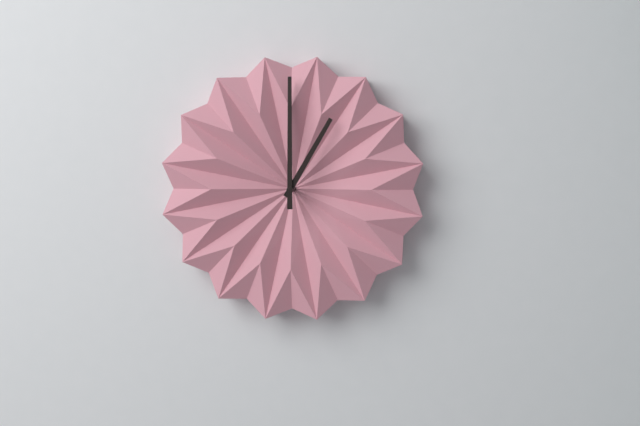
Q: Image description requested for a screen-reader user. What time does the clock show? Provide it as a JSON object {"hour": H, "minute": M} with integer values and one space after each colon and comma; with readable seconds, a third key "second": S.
{"hour": 1, "minute": 0}
